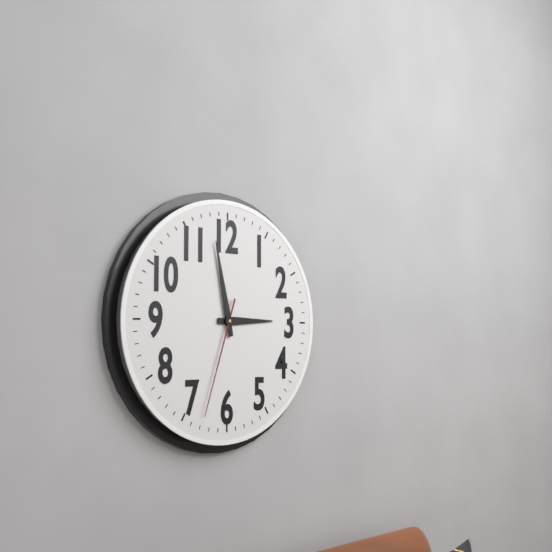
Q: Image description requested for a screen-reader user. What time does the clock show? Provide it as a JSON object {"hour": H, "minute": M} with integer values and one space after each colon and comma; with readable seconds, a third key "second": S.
{"hour": 2, "minute": 58, "second": 33}
